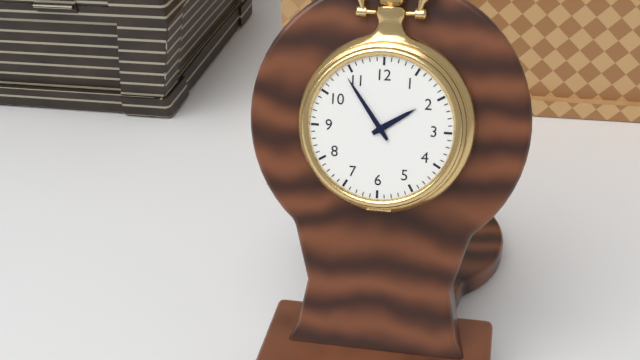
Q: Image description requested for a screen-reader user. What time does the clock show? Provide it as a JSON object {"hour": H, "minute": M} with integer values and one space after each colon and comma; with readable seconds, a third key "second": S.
{"hour": 1, "minute": 54}
